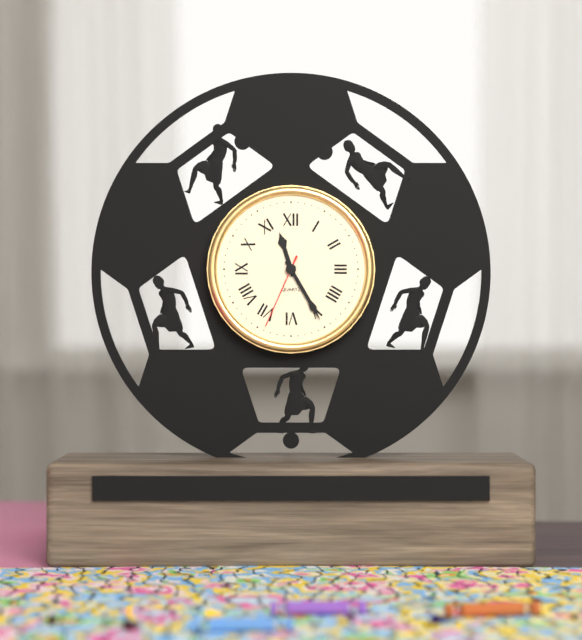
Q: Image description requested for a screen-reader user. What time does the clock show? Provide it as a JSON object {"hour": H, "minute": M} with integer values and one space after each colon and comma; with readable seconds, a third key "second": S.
{"hour": 11, "minute": 25, "second": 34}
